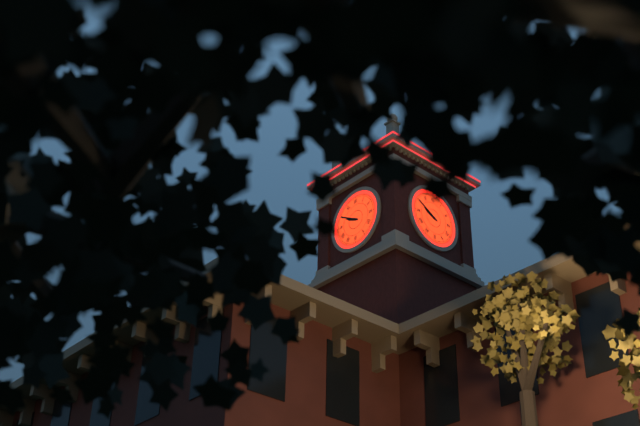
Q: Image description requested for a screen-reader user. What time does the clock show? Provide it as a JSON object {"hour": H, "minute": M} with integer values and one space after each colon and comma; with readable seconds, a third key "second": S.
{"hour": 9, "minute": 50}
